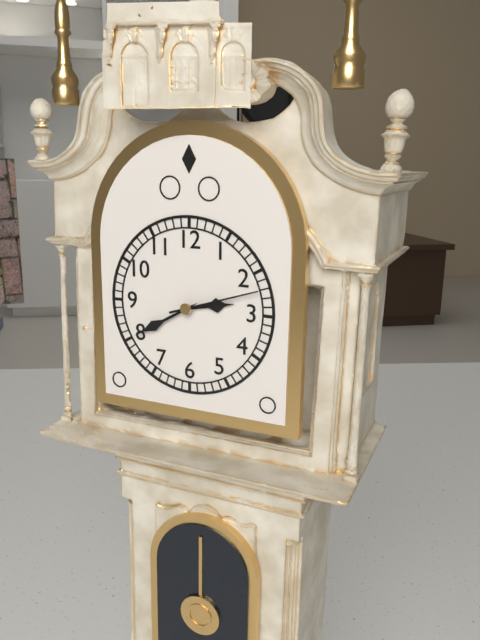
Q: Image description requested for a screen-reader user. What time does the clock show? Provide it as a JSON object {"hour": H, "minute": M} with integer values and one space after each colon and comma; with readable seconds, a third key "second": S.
{"hour": 2, "minute": 40, "second": 12}
